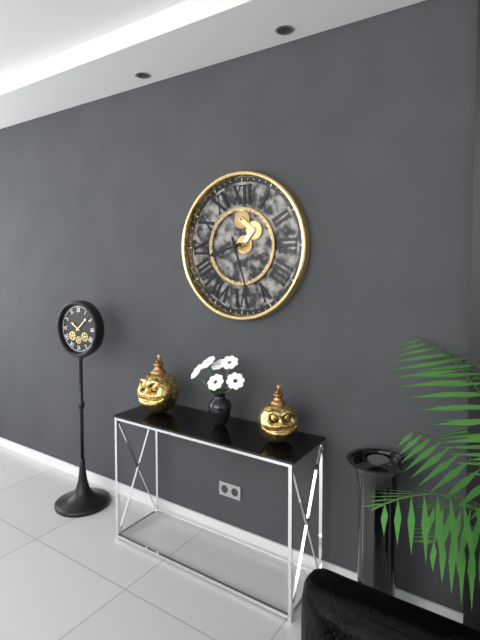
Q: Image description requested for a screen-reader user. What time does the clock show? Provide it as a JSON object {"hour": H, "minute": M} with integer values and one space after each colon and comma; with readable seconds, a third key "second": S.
{"hour": 8, "minute": 27}
